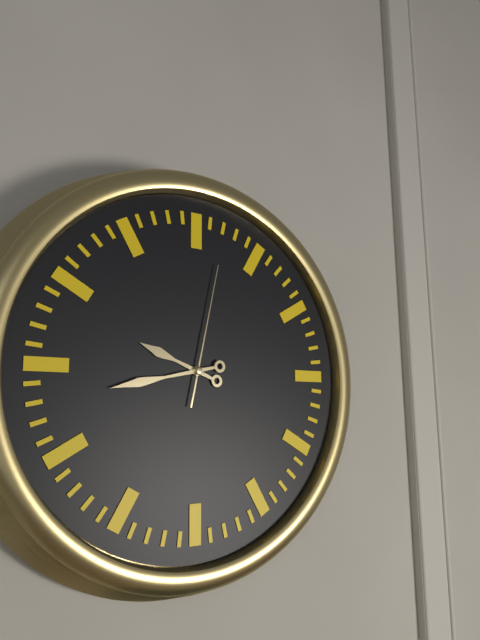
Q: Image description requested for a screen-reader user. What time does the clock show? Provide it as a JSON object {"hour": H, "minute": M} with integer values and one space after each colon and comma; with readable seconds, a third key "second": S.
{"hour": 9, "minute": 43, "second": 2}
